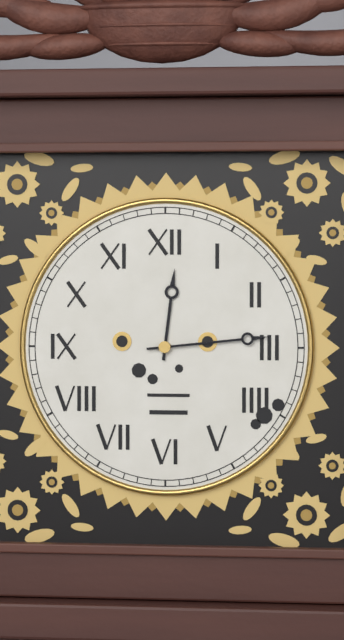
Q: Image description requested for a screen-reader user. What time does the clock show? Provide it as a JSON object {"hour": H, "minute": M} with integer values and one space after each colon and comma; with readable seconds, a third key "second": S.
{"hour": 12, "minute": 14}
